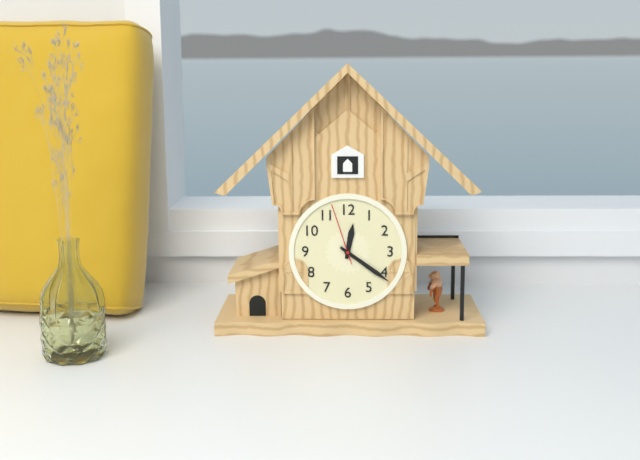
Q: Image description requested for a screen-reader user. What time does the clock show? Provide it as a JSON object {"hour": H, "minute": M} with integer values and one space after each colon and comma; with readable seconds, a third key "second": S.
{"hour": 12, "minute": 21, "second": 57}
